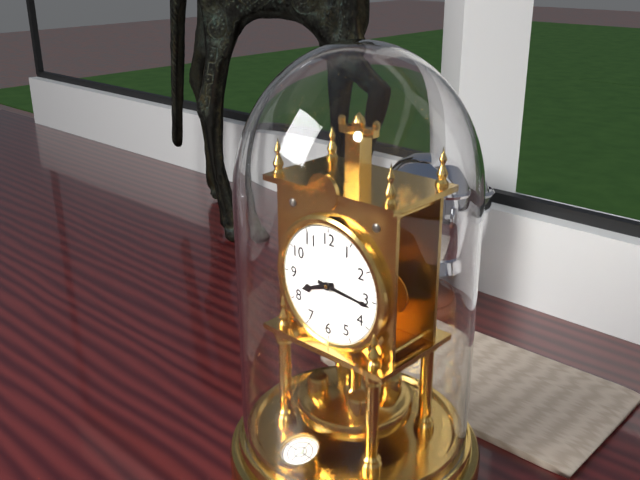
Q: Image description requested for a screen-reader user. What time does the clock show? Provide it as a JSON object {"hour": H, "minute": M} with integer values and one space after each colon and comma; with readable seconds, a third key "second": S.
{"hour": 8, "minute": 16}
